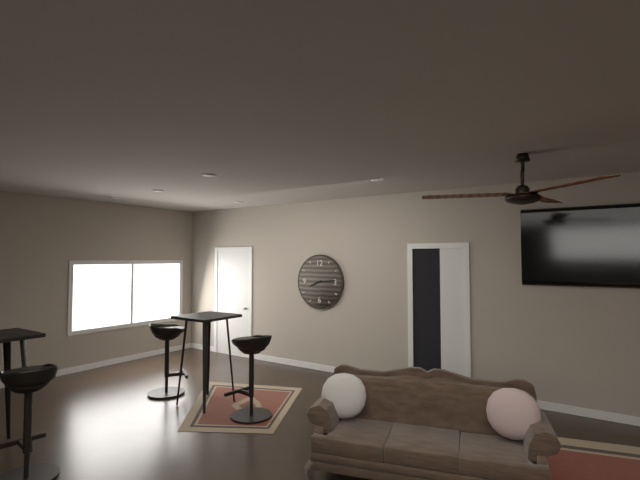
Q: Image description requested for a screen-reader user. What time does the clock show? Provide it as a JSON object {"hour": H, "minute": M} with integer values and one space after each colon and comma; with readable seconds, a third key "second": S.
{"hour": 8, "minute": 14}
